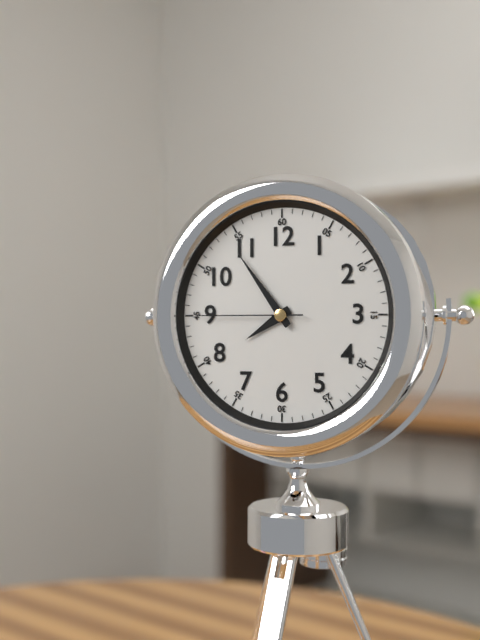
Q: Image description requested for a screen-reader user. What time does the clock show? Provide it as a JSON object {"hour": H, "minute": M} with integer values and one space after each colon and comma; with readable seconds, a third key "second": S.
{"hour": 7, "minute": 54, "second": 45}
